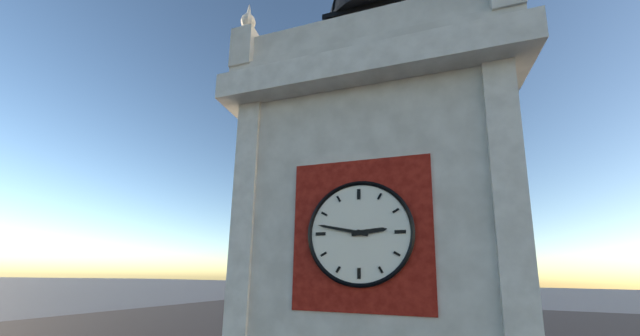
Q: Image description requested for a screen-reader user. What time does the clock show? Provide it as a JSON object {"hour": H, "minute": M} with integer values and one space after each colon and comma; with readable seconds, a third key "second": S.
{"hour": 2, "minute": 47}
